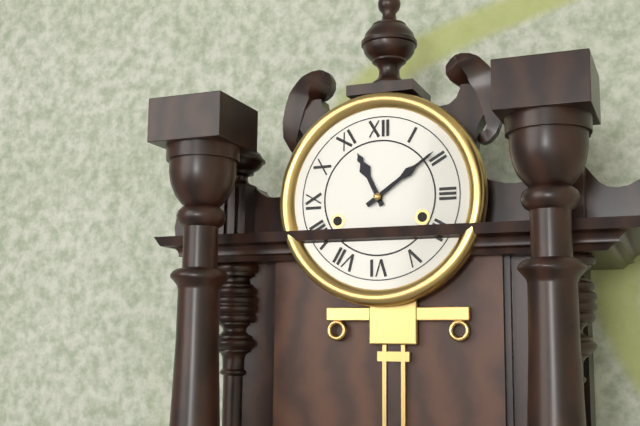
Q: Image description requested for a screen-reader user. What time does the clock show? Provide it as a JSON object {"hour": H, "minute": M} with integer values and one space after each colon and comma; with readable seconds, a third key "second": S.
{"hour": 11, "minute": 9}
